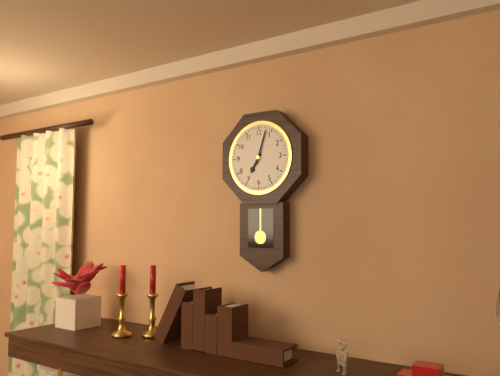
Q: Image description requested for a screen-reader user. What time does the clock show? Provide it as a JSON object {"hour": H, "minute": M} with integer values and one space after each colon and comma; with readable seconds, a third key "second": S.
{"hour": 7, "minute": 3}
